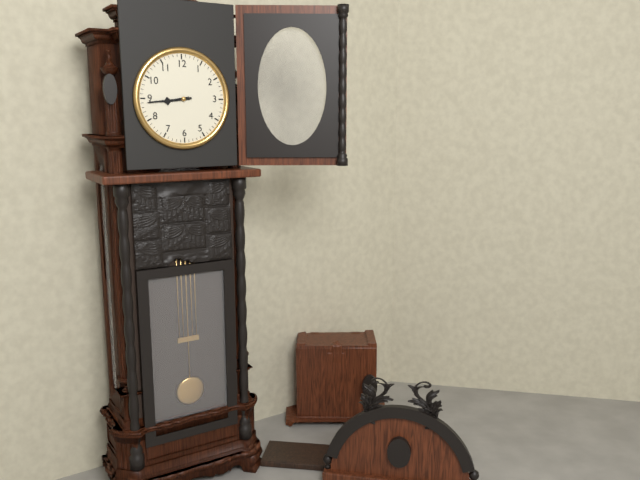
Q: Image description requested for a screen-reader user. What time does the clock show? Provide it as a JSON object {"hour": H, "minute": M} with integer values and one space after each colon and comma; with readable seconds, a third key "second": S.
{"hour": 8, "minute": 44}
